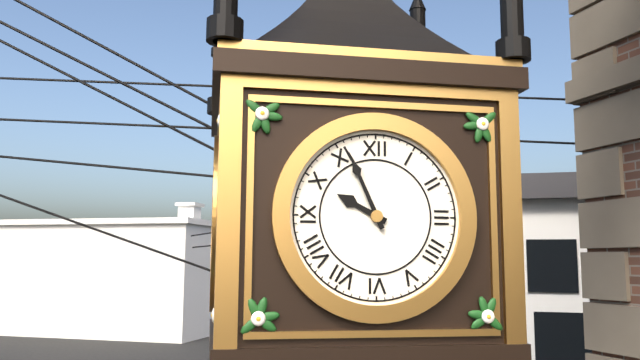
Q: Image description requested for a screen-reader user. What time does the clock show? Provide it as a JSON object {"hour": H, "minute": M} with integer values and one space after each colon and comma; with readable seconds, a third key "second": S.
{"hour": 9, "minute": 56}
